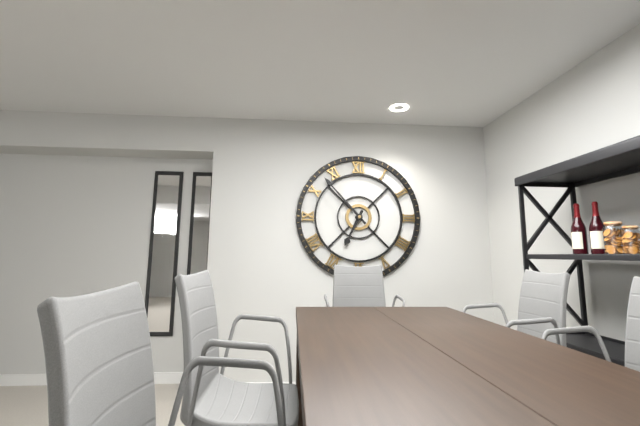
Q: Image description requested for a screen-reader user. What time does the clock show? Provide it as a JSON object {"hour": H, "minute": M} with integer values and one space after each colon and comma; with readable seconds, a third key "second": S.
{"hour": 6, "minute": 53}
